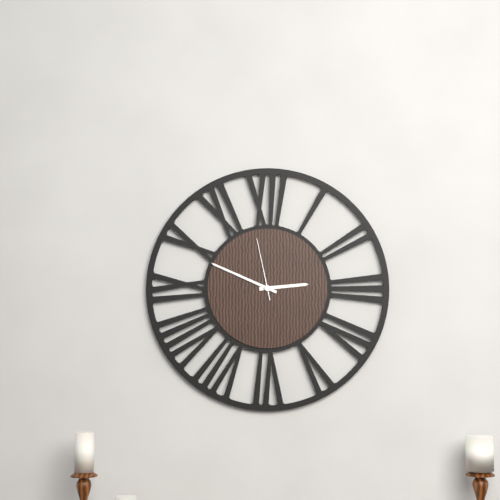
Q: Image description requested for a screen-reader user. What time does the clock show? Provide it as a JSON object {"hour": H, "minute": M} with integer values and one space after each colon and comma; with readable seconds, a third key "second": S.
{"hour": 2, "minute": 49, "second": 58}
